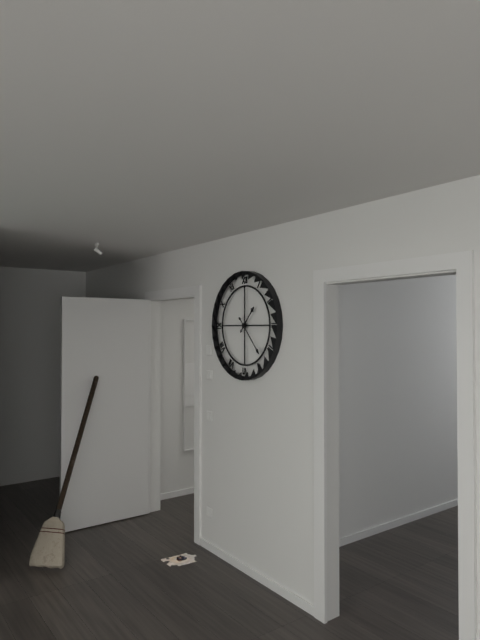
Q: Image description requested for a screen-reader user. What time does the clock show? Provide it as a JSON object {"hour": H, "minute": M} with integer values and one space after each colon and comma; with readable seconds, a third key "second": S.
{"hour": 1, "minute": 23}
